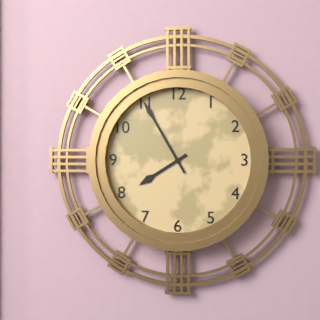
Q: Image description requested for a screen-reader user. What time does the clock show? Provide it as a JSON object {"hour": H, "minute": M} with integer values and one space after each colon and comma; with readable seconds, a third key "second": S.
{"hour": 7, "minute": 55}
